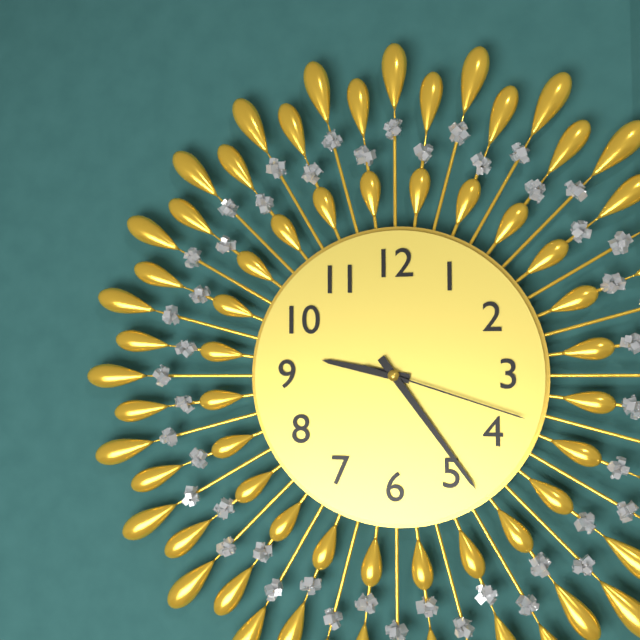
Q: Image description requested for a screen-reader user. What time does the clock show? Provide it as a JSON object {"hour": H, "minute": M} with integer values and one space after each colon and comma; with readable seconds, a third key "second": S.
{"hour": 9, "minute": 24, "second": 18}
